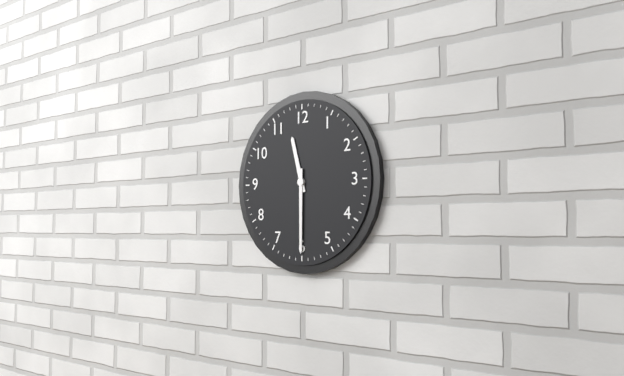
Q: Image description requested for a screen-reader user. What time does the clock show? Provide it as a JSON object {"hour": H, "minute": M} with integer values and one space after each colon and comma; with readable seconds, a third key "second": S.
{"hour": 11, "minute": 30}
